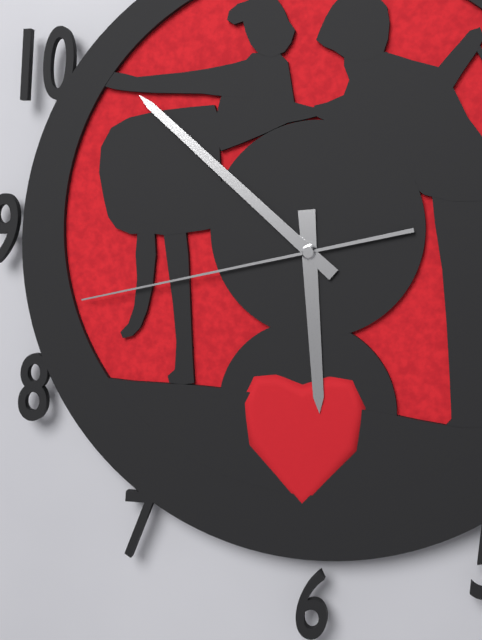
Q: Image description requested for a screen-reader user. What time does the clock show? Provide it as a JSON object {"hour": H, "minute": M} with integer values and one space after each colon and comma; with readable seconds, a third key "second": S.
{"hour": 5, "minute": 52, "second": 43}
